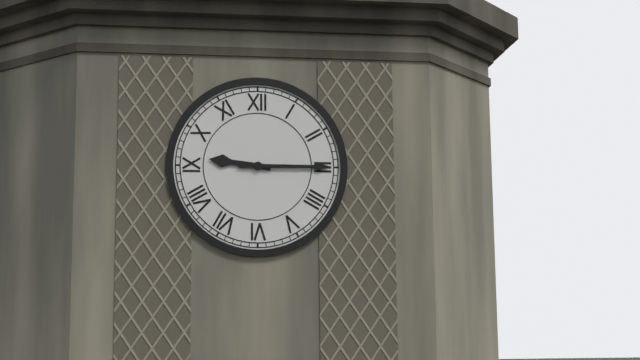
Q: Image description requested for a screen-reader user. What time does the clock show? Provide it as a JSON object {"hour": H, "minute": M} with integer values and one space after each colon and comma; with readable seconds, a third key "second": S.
{"hour": 9, "minute": 15}
